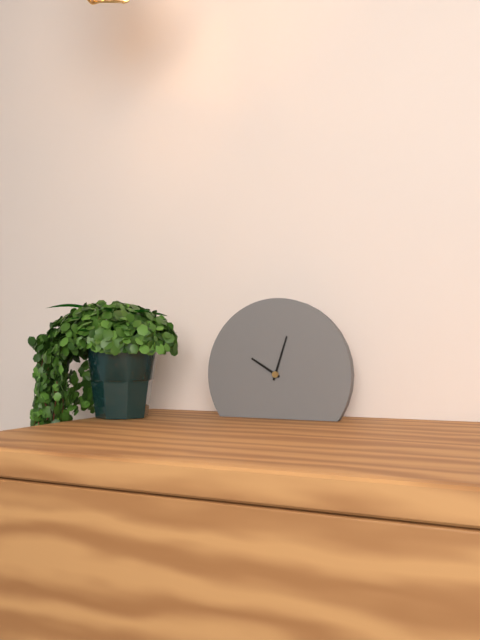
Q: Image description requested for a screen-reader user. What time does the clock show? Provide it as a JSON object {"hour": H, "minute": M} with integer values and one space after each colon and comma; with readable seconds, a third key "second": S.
{"hour": 10, "minute": 3}
